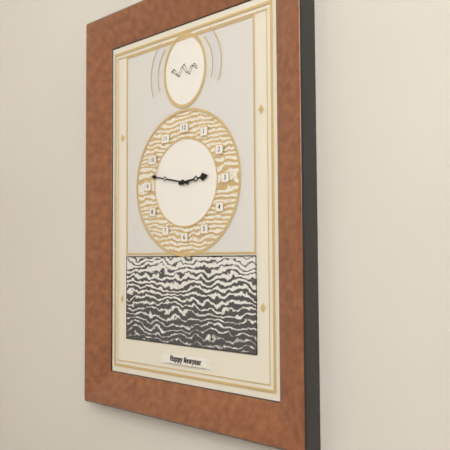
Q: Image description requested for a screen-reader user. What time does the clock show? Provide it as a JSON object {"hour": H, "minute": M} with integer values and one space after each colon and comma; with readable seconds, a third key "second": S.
{"hour": 2, "minute": 47}
